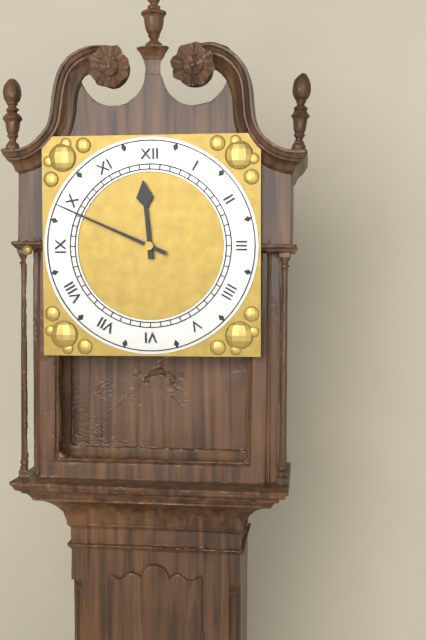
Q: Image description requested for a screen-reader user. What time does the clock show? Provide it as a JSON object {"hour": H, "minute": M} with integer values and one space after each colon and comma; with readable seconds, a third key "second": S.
{"hour": 11, "minute": 49}
